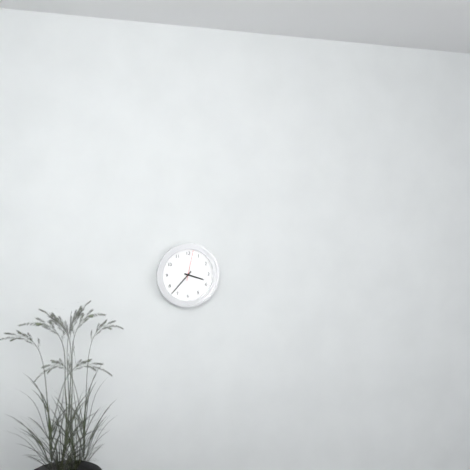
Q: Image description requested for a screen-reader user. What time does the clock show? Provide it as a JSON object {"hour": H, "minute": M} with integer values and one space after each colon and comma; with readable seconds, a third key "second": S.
{"hour": 3, "minute": 37}
